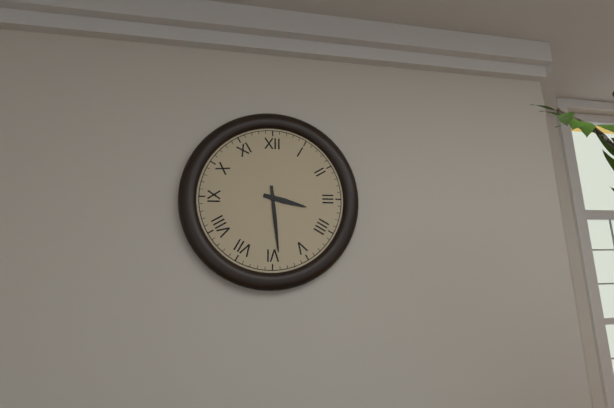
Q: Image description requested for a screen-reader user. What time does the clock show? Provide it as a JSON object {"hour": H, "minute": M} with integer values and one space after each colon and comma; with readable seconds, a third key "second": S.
{"hour": 3, "minute": 29}
